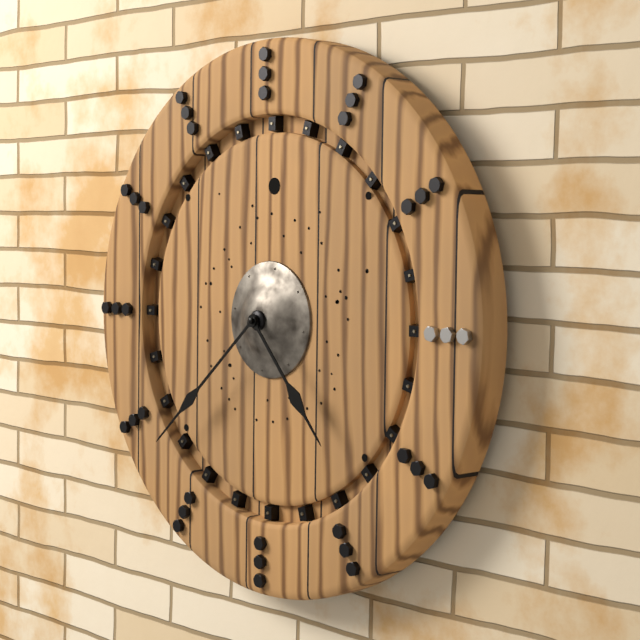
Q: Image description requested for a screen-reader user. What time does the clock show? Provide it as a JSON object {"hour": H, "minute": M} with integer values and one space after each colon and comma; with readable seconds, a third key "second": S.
{"hour": 4, "minute": 38}
